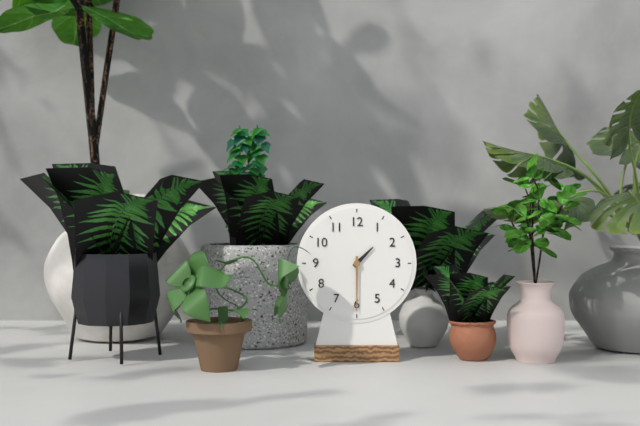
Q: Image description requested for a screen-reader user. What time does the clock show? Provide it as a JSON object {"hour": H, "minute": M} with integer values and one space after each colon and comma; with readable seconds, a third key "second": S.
{"hour": 1, "minute": 30}
